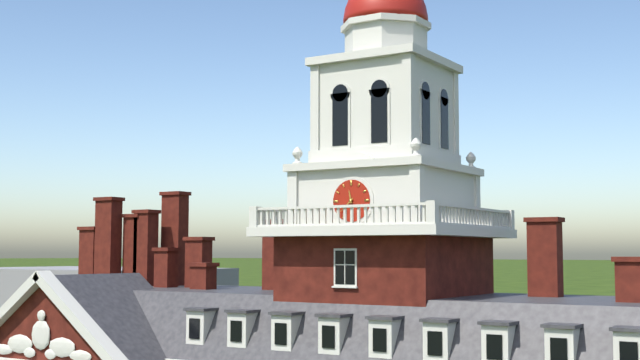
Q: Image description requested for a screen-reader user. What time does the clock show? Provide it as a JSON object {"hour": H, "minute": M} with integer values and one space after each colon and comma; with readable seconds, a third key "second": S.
{"hour": 11, "minute": 38}
